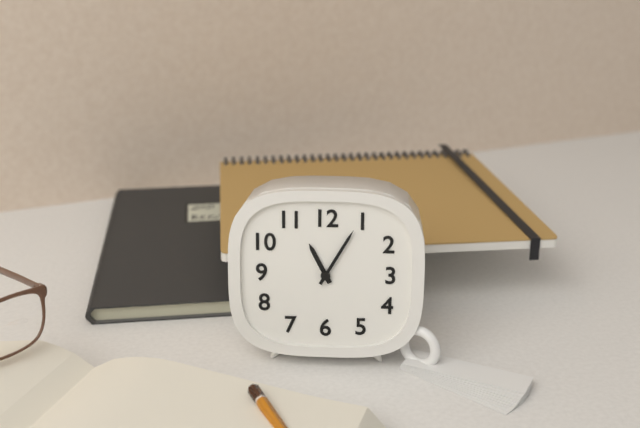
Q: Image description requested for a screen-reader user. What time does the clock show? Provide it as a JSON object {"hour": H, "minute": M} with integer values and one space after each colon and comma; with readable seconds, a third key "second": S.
{"hour": 11, "minute": 5}
